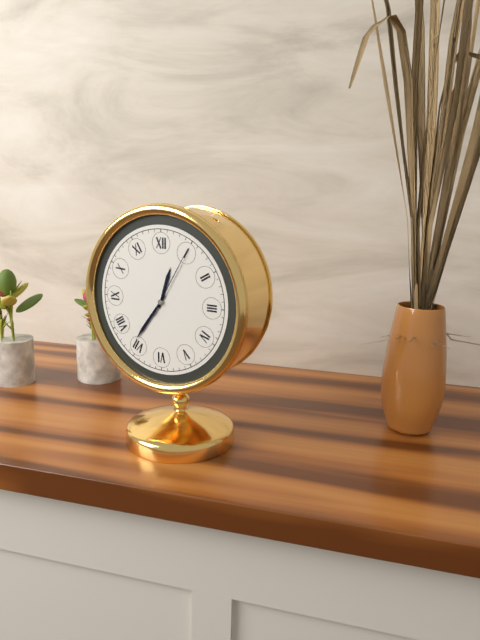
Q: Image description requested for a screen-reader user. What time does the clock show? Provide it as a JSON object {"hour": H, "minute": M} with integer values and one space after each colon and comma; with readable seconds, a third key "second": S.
{"hour": 12, "minute": 36, "second": 5}
